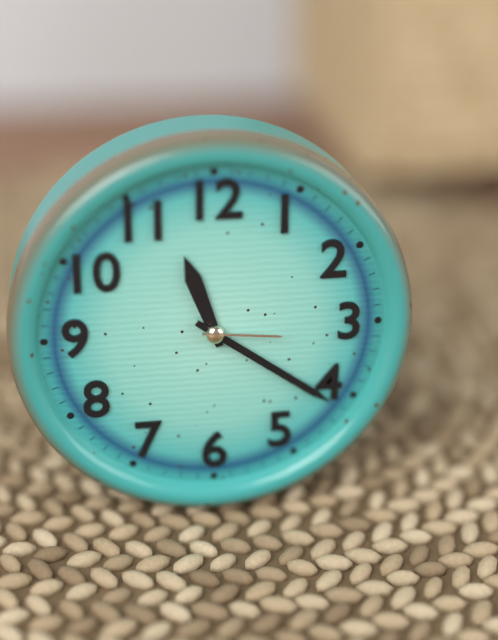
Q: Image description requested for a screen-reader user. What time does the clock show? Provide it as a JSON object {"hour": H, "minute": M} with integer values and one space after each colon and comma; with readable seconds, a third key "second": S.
{"hour": 11, "minute": 21, "second": 16}
